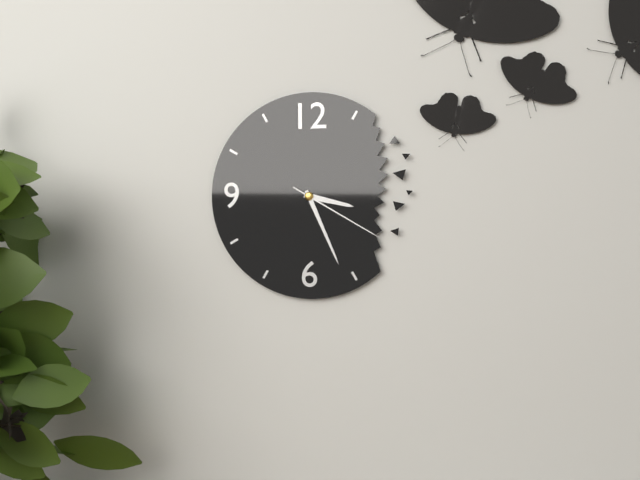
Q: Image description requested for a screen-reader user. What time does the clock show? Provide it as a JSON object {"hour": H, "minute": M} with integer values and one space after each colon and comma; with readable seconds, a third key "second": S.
{"hour": 3, "minute": 26, "second": 20}
